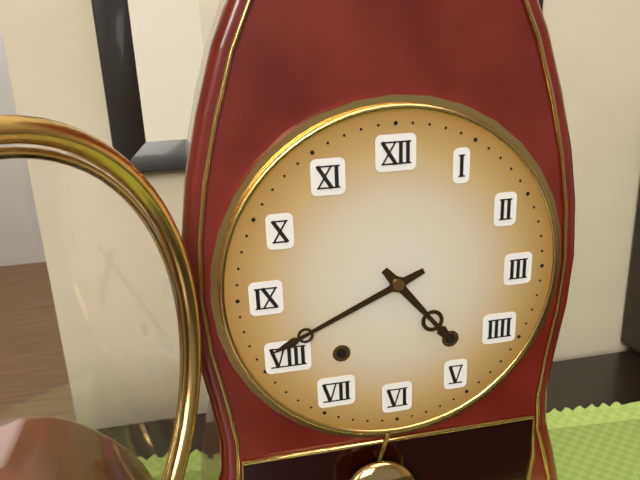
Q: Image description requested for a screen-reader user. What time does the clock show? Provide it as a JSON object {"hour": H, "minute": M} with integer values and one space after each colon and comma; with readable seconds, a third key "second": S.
{"hour": 4, "minute": 41}
